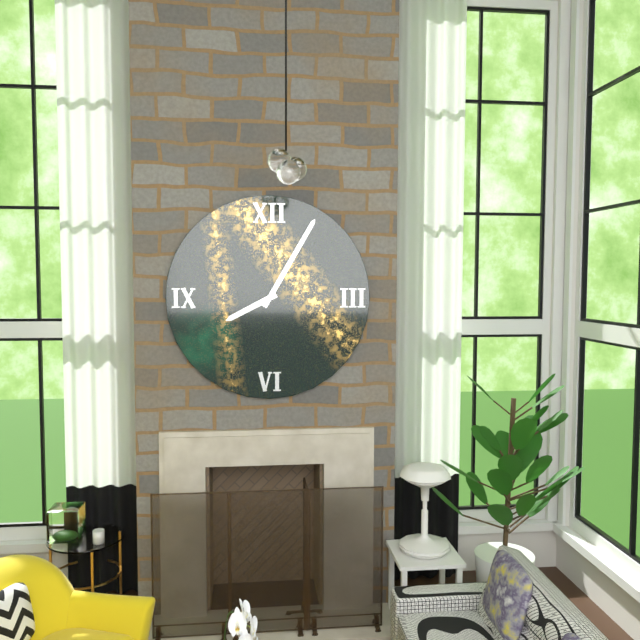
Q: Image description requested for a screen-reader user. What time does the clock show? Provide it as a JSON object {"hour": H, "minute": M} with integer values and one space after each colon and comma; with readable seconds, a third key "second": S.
{"hour": 8, "minute": 5}
